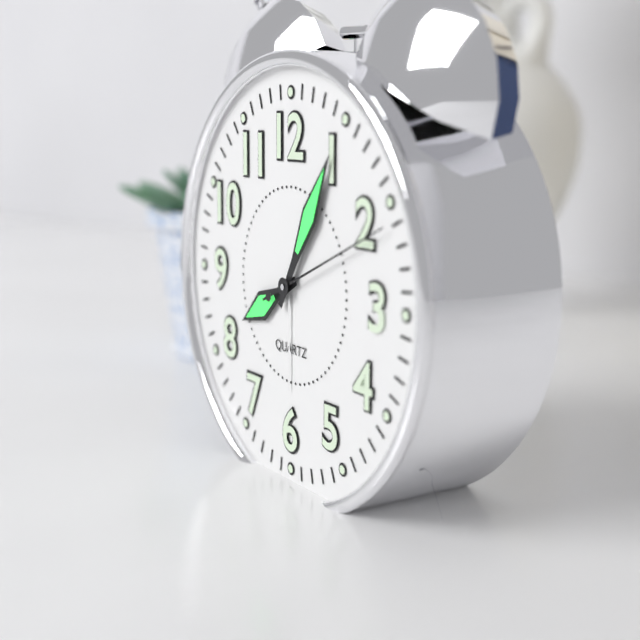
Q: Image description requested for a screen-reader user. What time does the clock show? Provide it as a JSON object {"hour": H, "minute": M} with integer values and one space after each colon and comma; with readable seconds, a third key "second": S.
{"hour": 8, "minute": 5, "second": 11}
